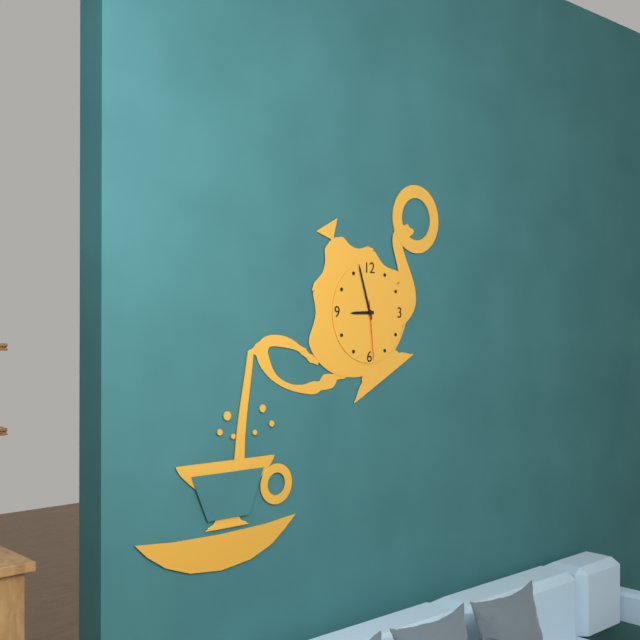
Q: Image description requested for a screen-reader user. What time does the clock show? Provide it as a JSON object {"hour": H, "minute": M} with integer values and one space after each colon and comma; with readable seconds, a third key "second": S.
{"hour": 8, "minute": 57, "second": 29}
